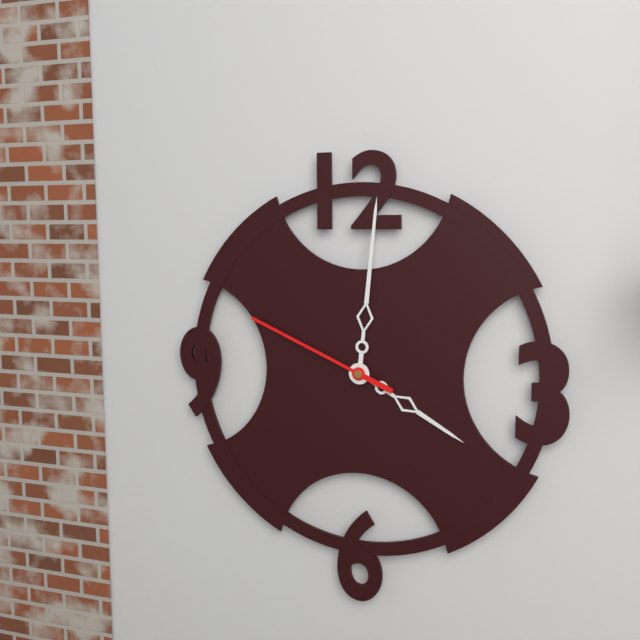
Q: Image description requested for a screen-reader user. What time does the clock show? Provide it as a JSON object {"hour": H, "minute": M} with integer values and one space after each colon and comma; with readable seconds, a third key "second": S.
{"hour": 4, "minute": 1, "second": 49}
